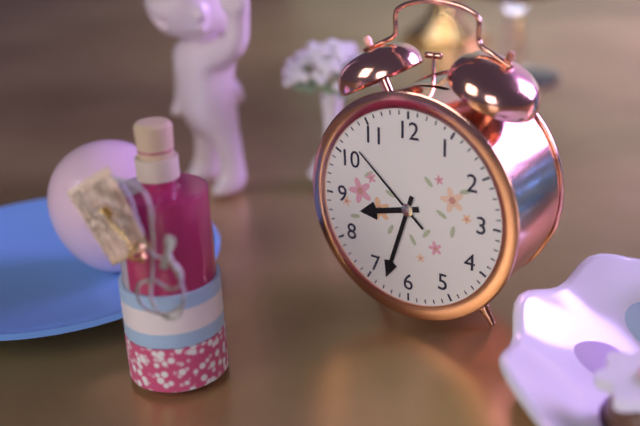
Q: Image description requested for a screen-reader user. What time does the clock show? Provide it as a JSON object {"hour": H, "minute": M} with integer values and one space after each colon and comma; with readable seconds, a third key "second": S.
{"hour": 8, "minute": 33, "second": 52}
